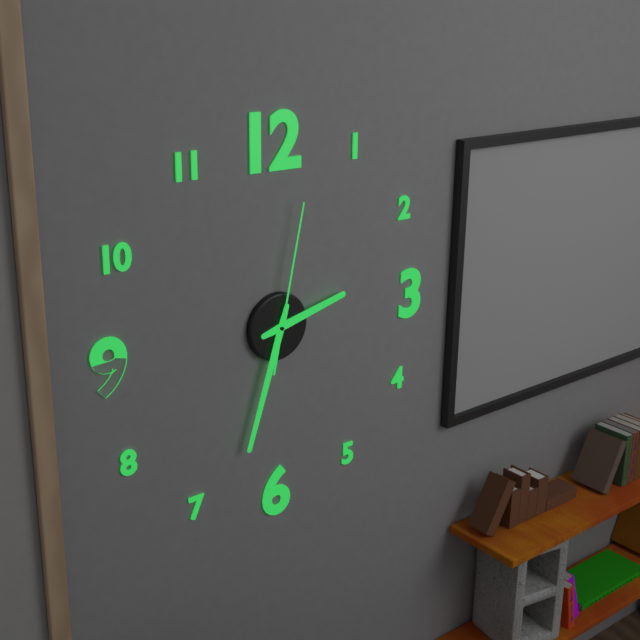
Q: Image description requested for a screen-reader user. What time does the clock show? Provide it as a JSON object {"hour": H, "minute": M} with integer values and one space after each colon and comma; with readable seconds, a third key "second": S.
{"hour": 2, "minute": 33, "second": 2}
